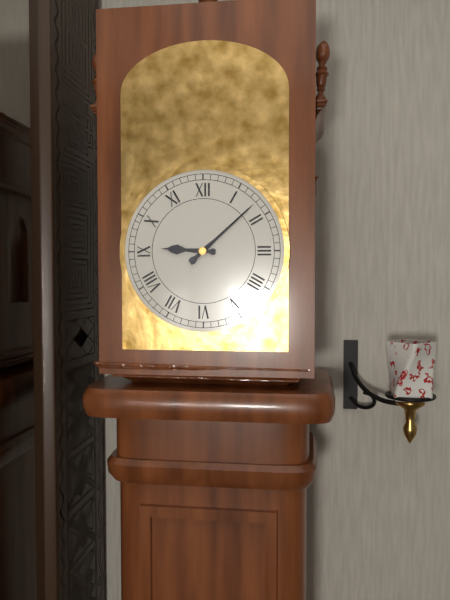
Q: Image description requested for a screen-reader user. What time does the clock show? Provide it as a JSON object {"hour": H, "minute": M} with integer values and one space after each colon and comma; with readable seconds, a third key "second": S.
{"hour": 9, "minute": 8}
